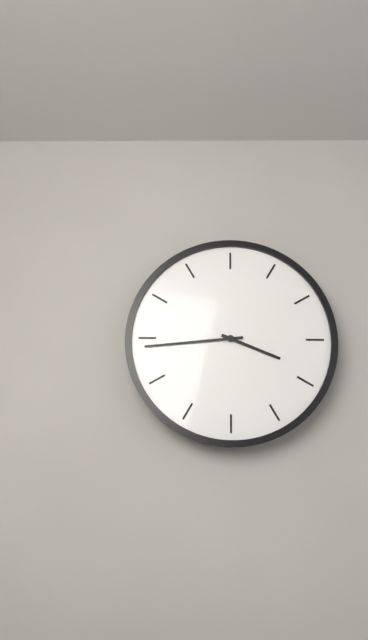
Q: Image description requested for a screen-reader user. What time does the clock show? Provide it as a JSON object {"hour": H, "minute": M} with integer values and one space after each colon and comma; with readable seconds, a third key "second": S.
{"hour": 3, "minute": 44}
